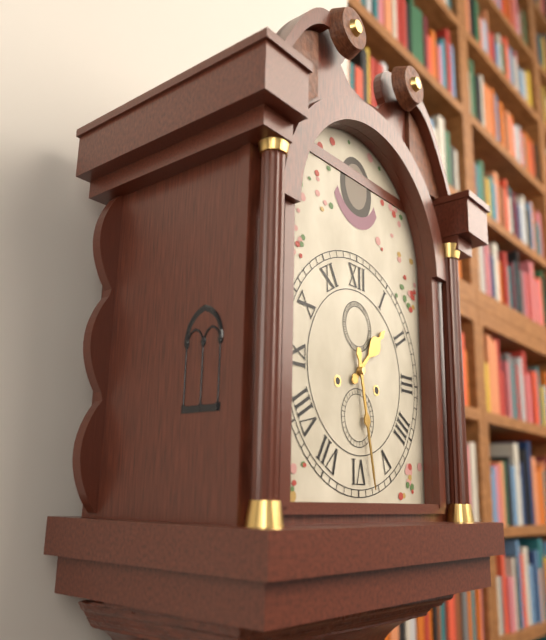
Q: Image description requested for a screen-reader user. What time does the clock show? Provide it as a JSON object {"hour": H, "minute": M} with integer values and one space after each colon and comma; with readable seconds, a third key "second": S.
{"hour": 1, "minute": 28}
